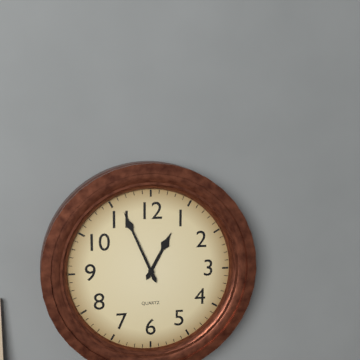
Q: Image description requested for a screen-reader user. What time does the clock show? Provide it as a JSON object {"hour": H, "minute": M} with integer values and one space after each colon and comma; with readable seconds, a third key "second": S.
{"hour": 12, "minute": 56}
